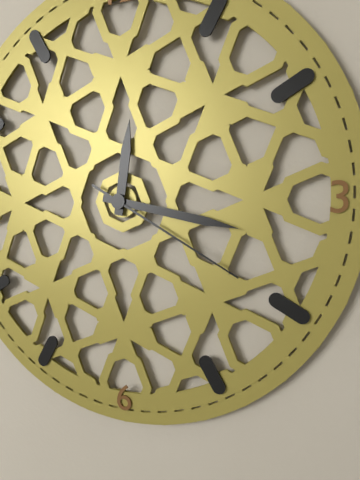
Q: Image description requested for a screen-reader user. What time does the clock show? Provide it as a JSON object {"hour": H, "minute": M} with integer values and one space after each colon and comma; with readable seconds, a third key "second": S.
{"hour": 12, "minute": 17, "second": 20}
